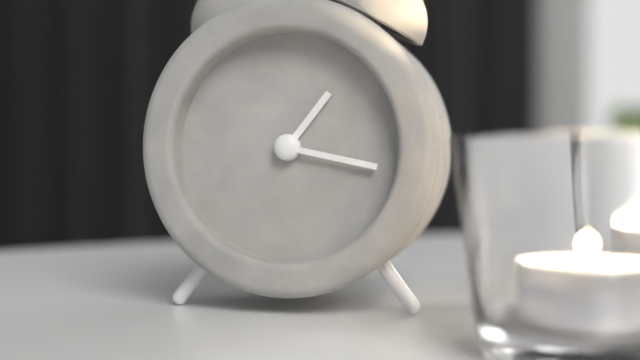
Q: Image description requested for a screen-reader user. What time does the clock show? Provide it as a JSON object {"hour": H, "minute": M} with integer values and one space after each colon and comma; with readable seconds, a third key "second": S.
{"hour": 1, "minute": 17}
